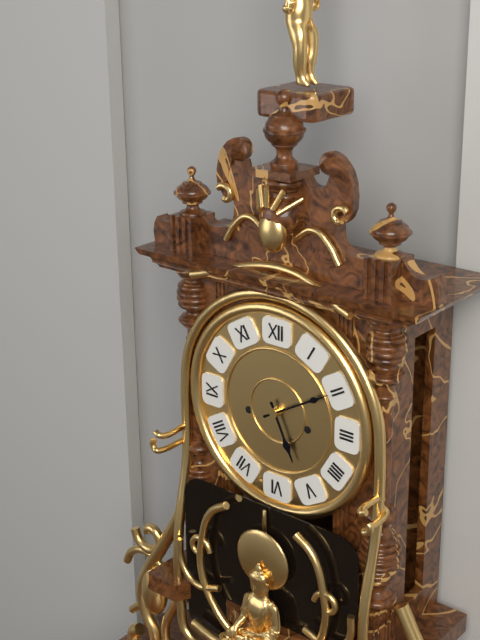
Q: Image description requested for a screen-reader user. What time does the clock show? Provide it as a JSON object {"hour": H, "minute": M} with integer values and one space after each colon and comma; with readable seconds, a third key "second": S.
{"hour": 5, "minute": 10}
